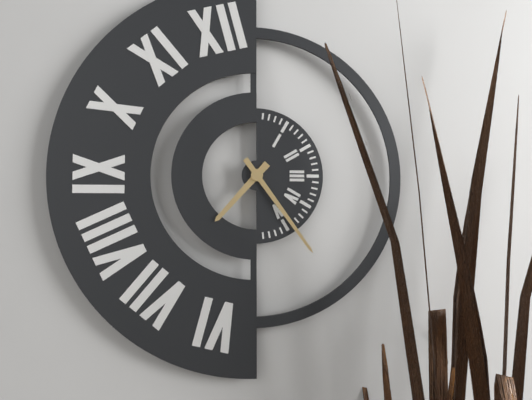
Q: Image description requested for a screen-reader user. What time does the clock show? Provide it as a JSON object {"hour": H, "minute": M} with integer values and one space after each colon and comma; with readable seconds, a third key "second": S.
{"hour": 7, "minute": 24}
